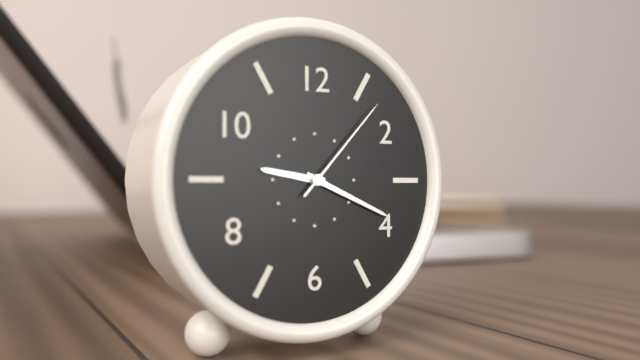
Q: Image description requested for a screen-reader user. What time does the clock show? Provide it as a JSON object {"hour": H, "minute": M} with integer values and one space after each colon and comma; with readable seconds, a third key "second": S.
{"hour": 9, "minute": 19, "second": 7}
